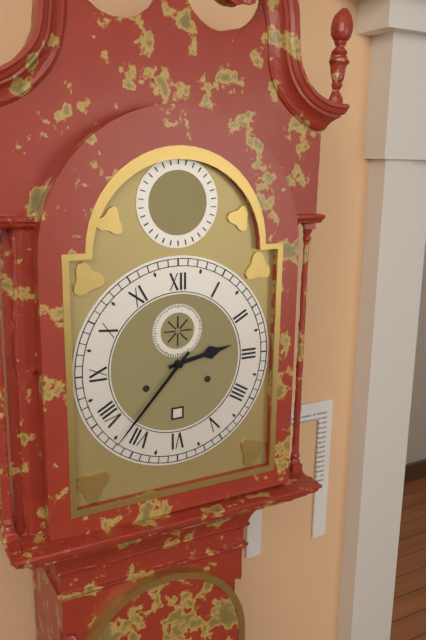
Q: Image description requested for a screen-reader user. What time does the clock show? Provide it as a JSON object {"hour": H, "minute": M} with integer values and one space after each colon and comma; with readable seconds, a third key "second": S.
{"hour": 2, "minute": 37}
